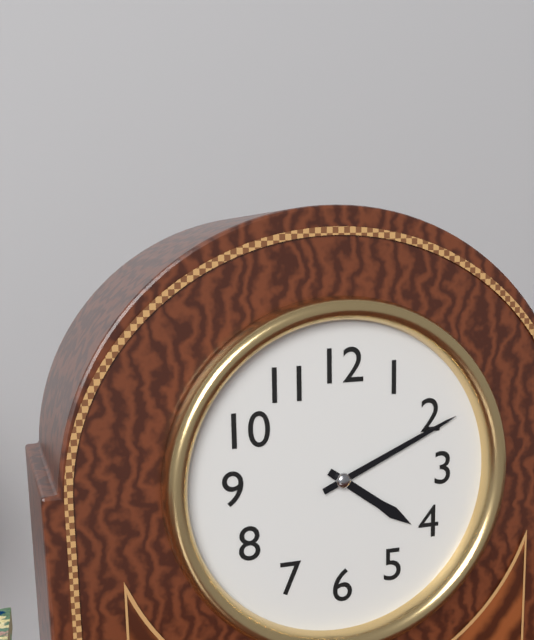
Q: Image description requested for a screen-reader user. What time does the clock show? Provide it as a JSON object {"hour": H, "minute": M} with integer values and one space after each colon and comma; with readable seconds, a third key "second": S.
{"hour": 4, "minute": 11}
